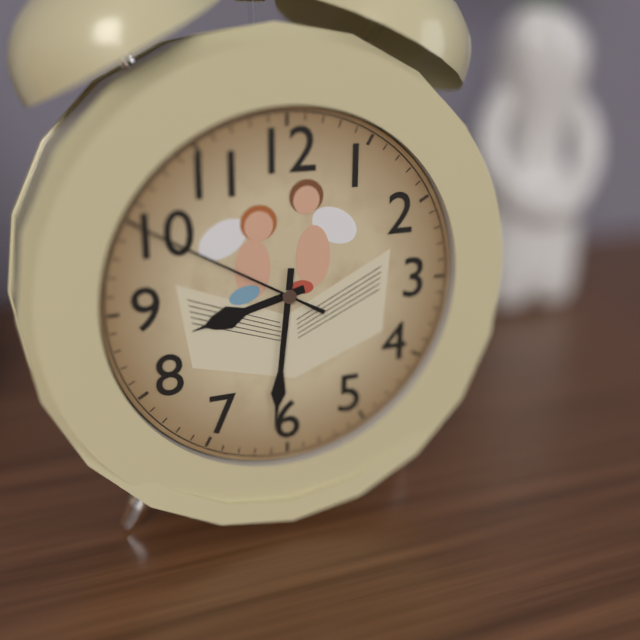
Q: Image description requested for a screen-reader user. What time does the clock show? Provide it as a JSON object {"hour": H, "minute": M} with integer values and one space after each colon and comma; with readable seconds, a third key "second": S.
{"hour": 8, "minute": 31, "second": 50}
